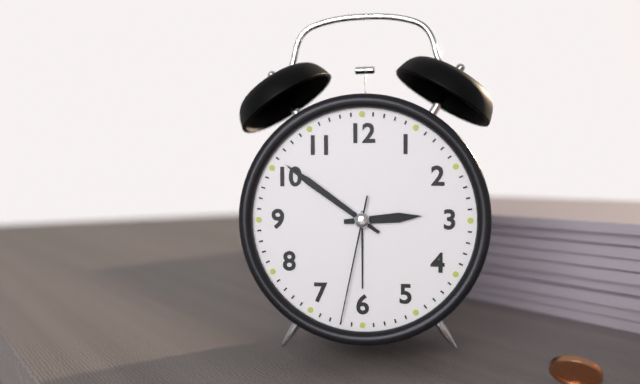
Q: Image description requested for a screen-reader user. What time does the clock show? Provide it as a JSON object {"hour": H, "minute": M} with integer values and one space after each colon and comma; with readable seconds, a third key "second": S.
{"hour": 2, "minute": 51, "second": 32}
